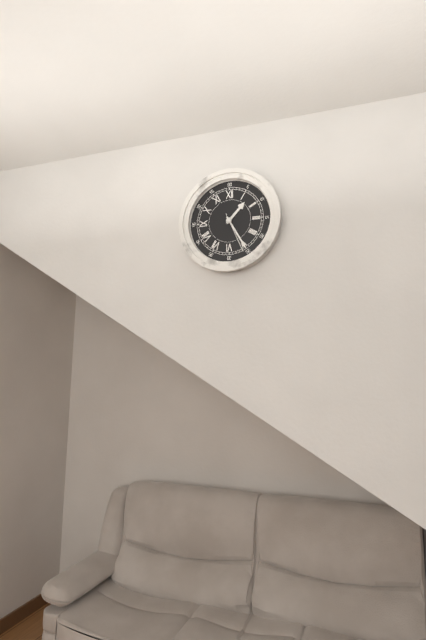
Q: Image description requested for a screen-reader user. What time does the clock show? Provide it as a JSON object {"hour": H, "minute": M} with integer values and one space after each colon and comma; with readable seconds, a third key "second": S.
{"hour": 1, "minute": 25}
